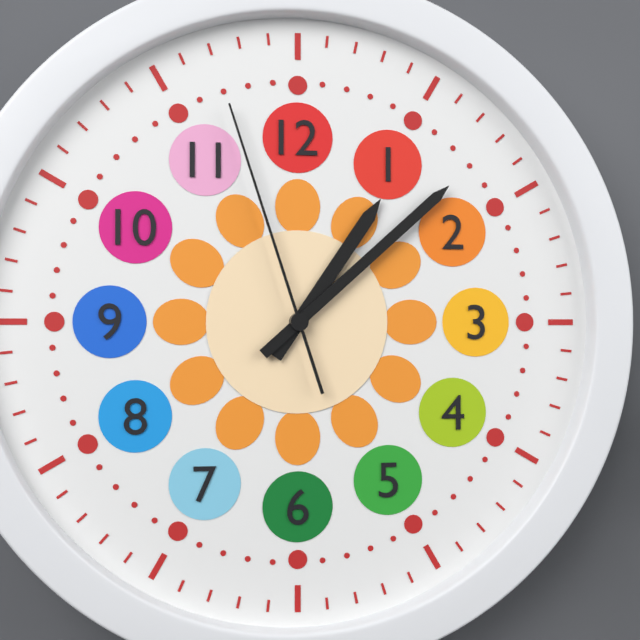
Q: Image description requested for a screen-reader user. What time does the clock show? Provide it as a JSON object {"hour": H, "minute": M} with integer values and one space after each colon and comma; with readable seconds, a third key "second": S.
{"hour": 1, "minute": 8, "second": 57}
